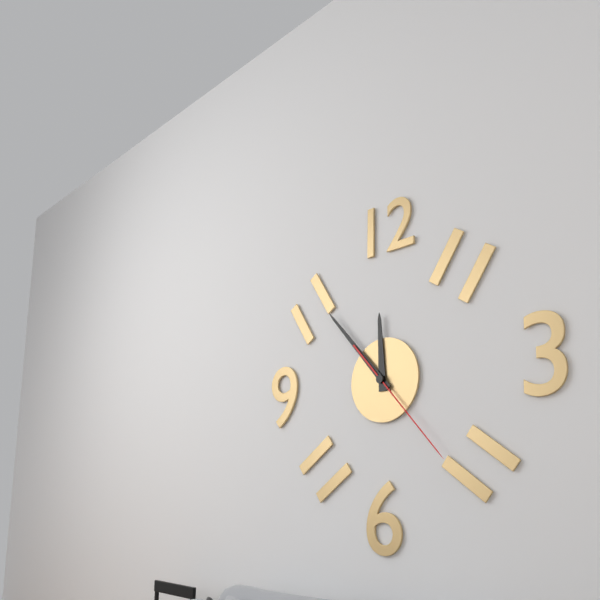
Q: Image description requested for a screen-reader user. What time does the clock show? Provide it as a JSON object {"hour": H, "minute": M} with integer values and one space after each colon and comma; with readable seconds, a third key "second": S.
{"hour": 11, "minute": 53, "second": 23}
